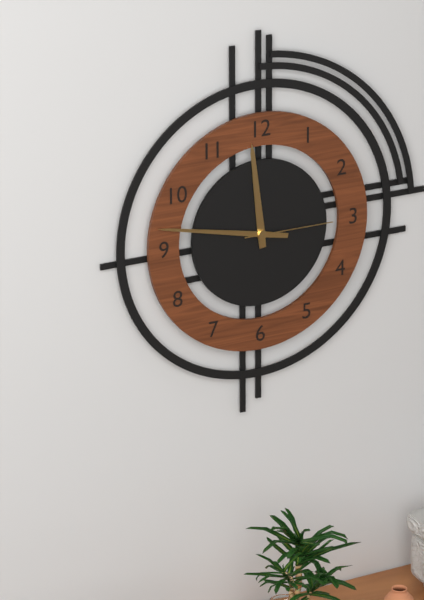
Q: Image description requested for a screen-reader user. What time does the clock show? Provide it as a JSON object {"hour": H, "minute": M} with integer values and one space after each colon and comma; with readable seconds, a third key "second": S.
{"hour": 11, "minute": 47, "second": 15}
